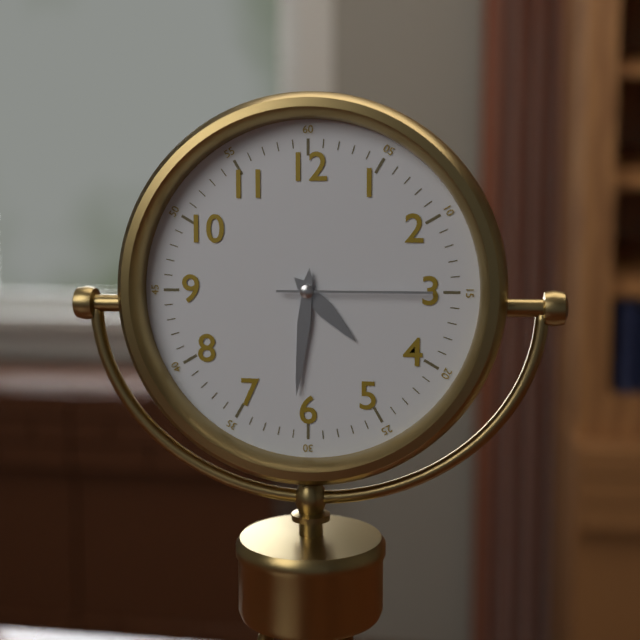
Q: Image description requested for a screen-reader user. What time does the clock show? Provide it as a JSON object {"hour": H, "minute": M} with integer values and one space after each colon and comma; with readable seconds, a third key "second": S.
{"hour": 4, "minute": 31, "second": 15}
